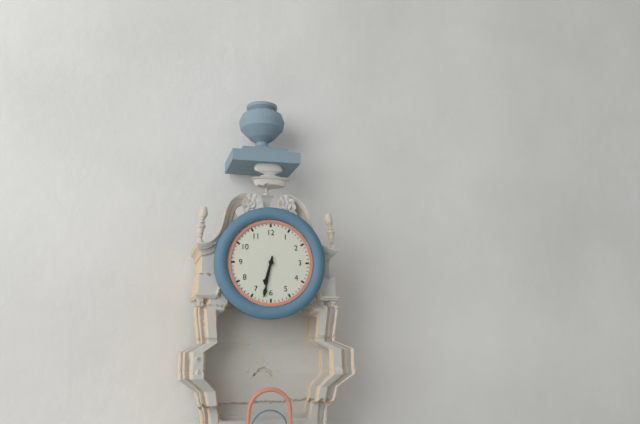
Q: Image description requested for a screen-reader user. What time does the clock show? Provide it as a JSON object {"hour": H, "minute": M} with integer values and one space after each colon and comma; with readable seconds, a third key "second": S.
{"hour": 6, "minute": 32}
